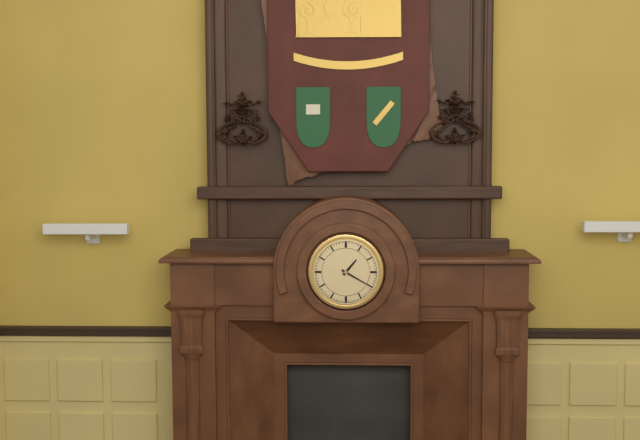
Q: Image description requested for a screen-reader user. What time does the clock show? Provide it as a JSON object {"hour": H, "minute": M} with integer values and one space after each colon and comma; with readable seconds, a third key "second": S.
{"hour": 1, "minute": 20}
